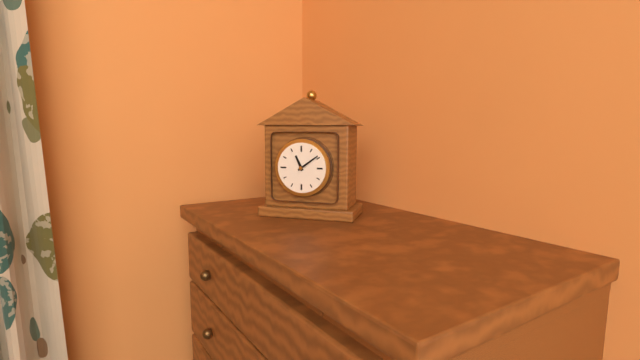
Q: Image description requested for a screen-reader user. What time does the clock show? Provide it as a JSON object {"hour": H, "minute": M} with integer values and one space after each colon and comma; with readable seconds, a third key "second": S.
{"hour": 11, "minute": 9}
